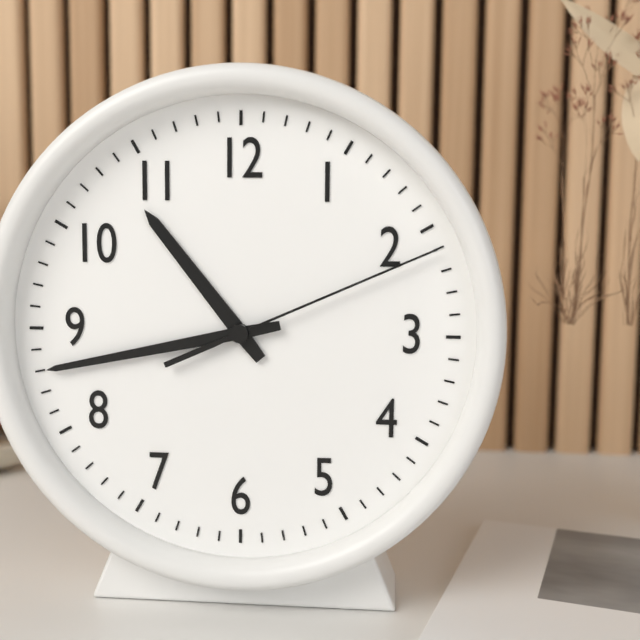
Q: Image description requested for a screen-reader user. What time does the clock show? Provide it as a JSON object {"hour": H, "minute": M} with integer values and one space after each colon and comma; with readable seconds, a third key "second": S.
{"hour": 10, "minute": 43, "second": 11}
